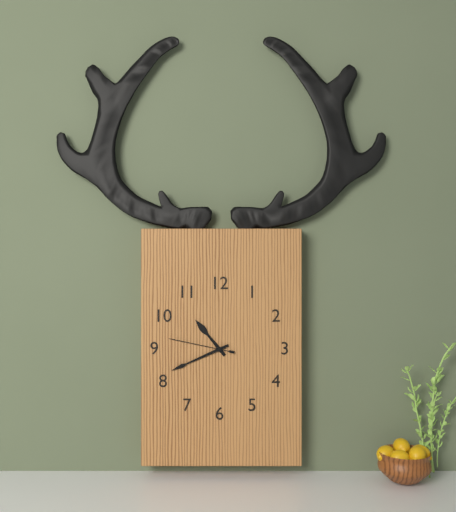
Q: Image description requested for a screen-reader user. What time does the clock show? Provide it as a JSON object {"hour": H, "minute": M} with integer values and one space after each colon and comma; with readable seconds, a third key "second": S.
{"hour": 10, "minute": 41, "second": 47}
